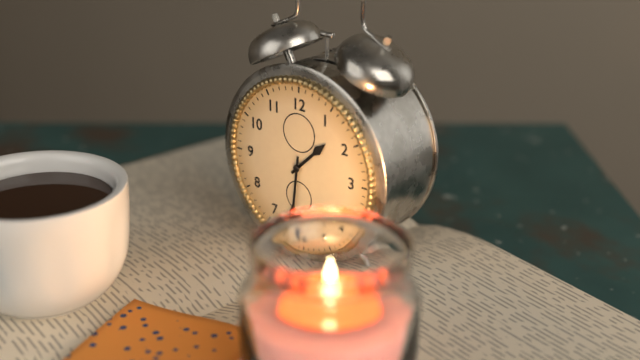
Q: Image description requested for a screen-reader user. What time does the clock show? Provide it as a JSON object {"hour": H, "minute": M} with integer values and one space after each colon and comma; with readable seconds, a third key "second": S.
{"hour": 1, "minute": 31}
